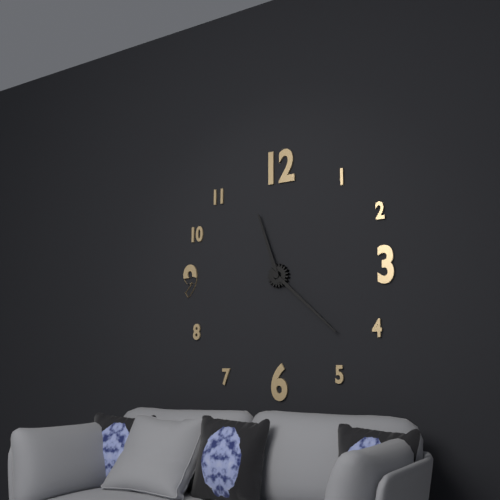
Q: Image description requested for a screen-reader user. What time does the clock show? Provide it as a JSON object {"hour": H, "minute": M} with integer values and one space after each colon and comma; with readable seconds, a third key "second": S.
{"hour": 11, "minute": 22}
